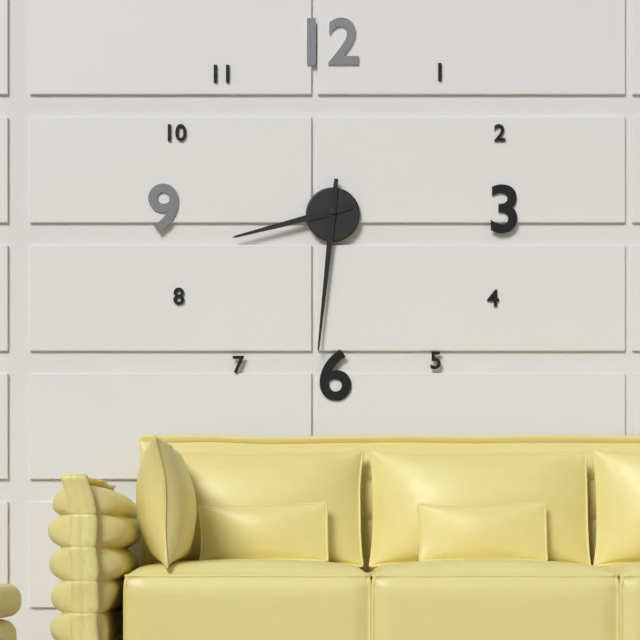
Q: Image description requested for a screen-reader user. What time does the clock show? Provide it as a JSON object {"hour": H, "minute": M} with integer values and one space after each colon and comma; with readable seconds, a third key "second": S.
{"hour": 8, "minute": 31}
